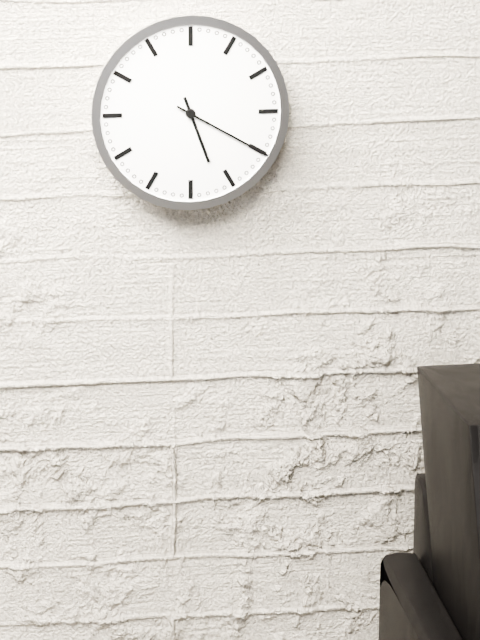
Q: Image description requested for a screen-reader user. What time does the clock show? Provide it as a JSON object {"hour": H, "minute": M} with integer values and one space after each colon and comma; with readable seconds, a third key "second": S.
{"hour": 5, "minute": 20}
